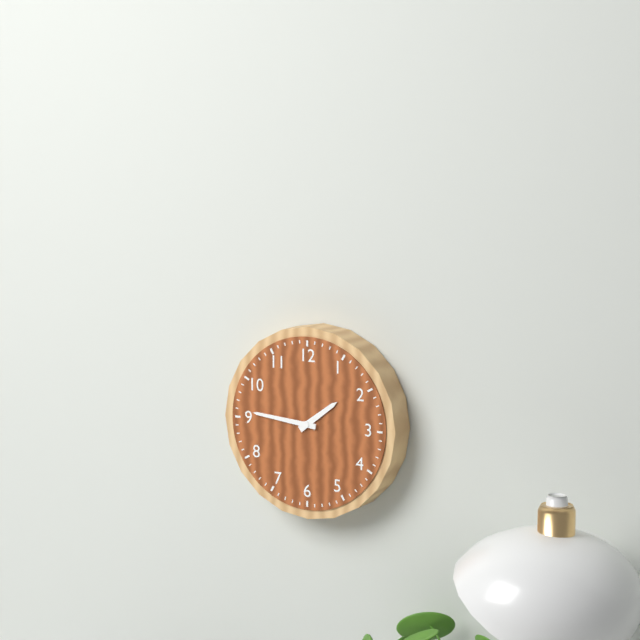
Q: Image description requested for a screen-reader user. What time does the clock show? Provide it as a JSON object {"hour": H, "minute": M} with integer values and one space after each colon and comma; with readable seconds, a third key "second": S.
{"hour": 1, "minute": 46}
